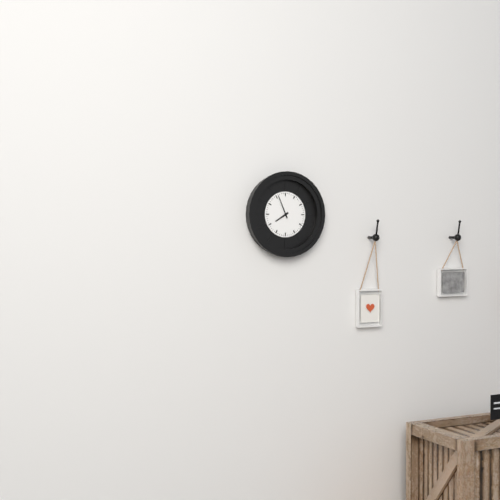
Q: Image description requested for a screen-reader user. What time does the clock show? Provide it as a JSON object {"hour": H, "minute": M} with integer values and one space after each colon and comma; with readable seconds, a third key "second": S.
{"hour": 7, "minute": 56}
